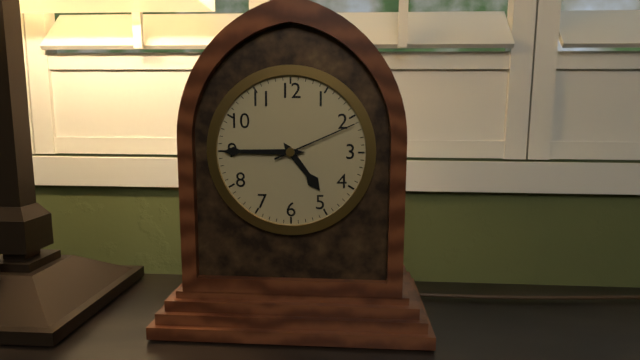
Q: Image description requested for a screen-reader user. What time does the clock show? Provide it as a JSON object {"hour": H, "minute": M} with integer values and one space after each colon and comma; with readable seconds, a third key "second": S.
{"hour": 4, "minute": 45, "second": 11}
